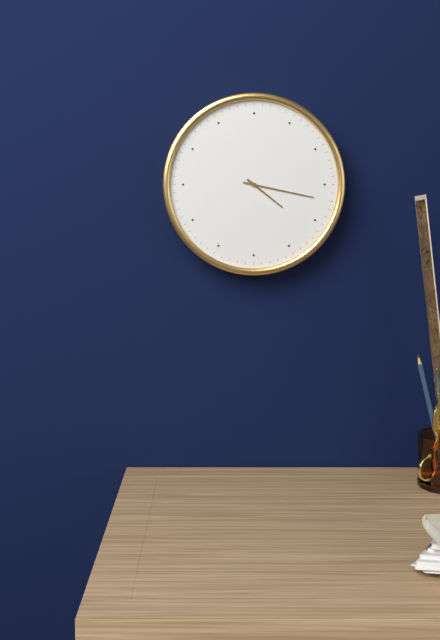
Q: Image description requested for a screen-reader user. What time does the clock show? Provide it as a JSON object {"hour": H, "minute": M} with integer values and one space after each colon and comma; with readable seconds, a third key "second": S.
{"hour": 4, "minute": 17}
